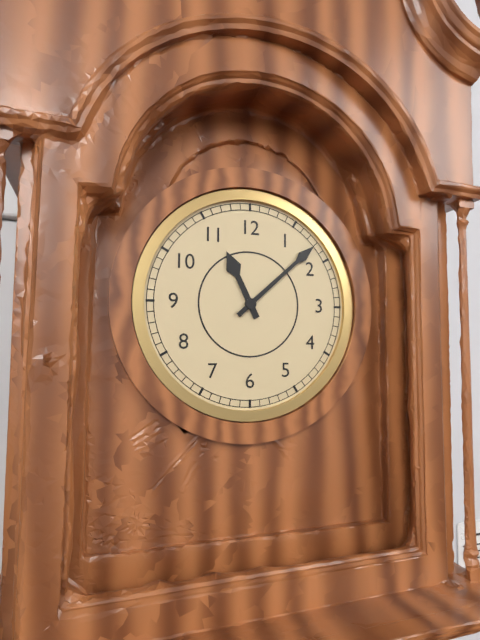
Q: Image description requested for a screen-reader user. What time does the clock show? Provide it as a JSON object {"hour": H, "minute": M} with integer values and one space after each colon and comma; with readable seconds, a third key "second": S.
{"hour": 11, "minute": 8}
